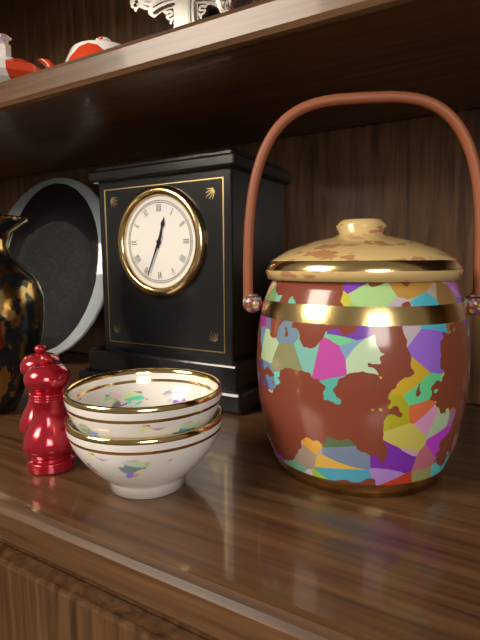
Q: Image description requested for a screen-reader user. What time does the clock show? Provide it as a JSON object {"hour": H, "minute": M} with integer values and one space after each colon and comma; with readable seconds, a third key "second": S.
{"hour": 12, "minute": 34}
